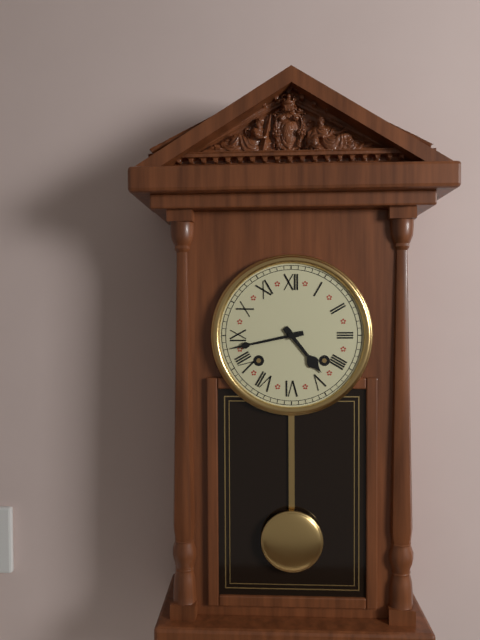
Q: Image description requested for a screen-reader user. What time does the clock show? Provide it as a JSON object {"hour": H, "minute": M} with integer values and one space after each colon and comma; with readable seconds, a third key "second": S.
{"hour": 4, "minute": 43}
